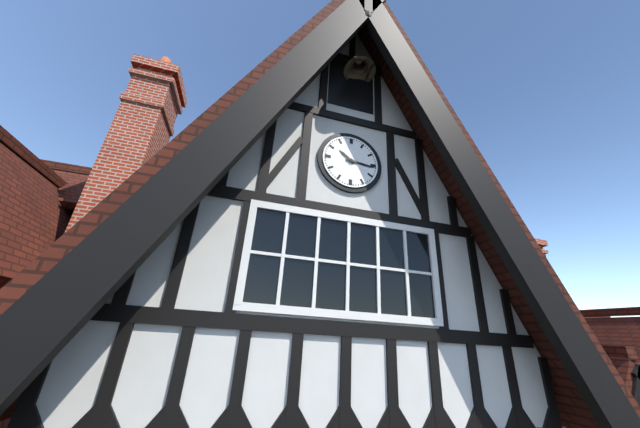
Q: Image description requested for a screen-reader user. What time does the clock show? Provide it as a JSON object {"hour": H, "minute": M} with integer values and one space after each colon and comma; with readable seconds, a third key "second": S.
{"hour": 10, "minute": 16}
